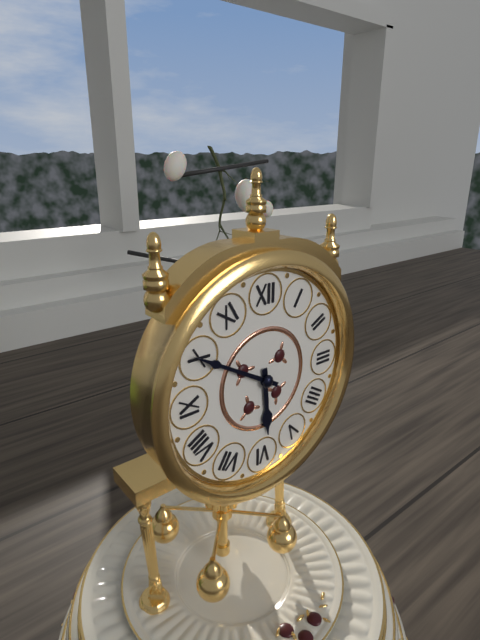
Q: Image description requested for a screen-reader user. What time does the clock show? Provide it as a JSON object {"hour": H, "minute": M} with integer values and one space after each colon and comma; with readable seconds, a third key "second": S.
{"hour": 5, "minute": 50}
